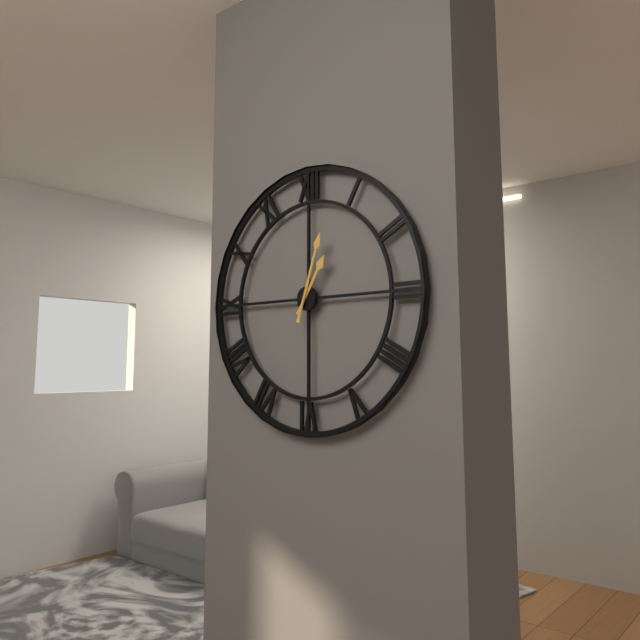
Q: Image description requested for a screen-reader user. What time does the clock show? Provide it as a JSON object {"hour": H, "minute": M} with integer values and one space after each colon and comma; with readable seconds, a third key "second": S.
{"hour": 1, "minute": 3}
